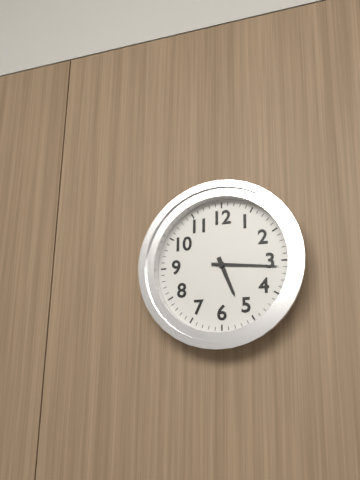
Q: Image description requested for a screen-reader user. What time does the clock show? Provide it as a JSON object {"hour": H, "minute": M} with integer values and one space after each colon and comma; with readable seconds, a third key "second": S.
{"hour": 5, "minute": 16}
